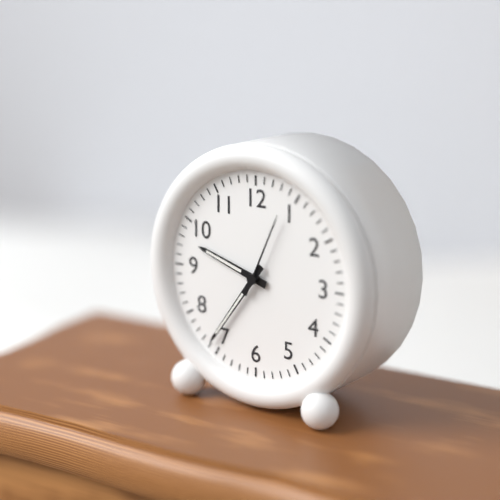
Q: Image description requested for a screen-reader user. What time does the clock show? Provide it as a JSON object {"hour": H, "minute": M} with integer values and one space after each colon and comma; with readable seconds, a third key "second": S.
{"hour": 9, "minute": 36, "second": 4}
